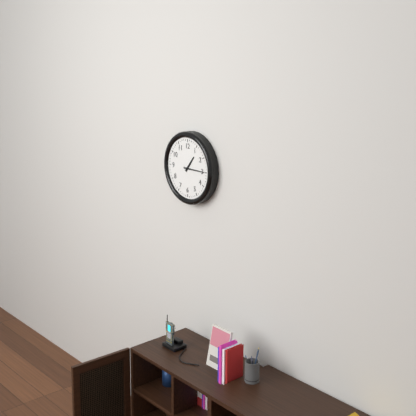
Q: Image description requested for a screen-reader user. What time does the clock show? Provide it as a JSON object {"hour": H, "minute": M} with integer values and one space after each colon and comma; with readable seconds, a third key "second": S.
{"hour": 1, "minute": 15}
